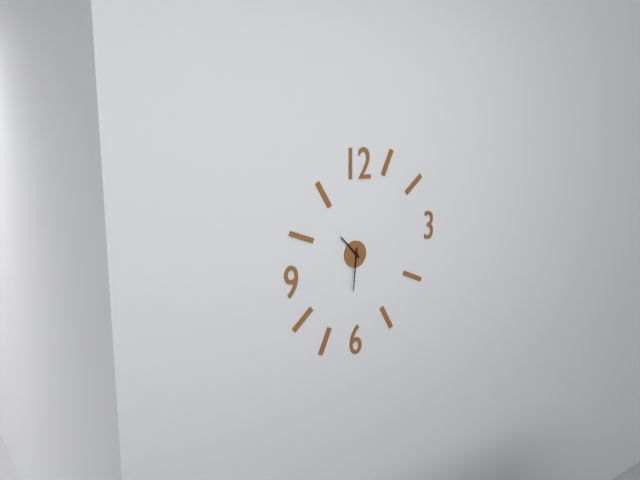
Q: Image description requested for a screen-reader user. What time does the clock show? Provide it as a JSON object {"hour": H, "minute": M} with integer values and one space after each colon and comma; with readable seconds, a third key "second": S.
{"hour": 10, "minute": 31}
